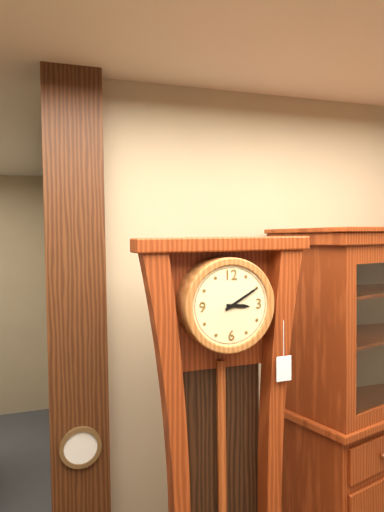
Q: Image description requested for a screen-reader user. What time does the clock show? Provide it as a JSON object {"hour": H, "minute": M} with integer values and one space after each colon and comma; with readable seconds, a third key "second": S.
{"hour": 3, "minute": 10}
